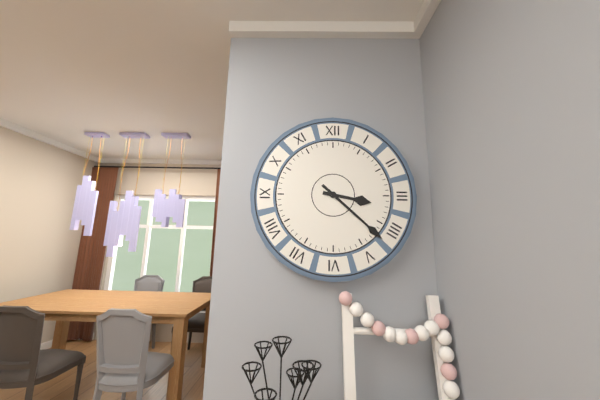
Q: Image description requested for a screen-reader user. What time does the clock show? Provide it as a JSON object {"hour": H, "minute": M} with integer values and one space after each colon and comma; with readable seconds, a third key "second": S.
{"hour": 3, "minute": 22}
